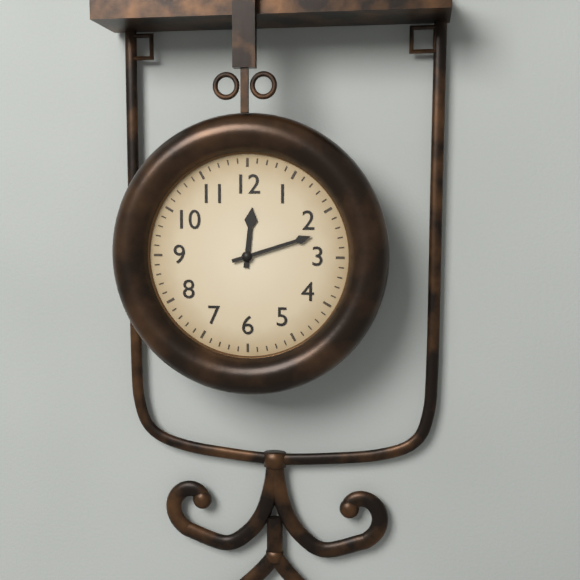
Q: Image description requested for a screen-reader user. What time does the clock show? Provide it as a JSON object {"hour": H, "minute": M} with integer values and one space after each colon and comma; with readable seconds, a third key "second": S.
{"hour": 12, "minute": 12}
